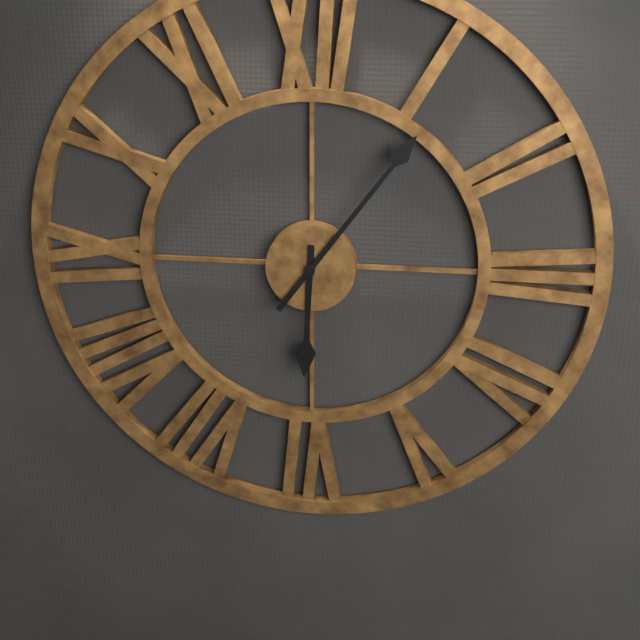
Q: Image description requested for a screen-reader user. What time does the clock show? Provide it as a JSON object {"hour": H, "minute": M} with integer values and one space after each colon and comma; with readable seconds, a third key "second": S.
{"hour": 6, "minute": 6}
